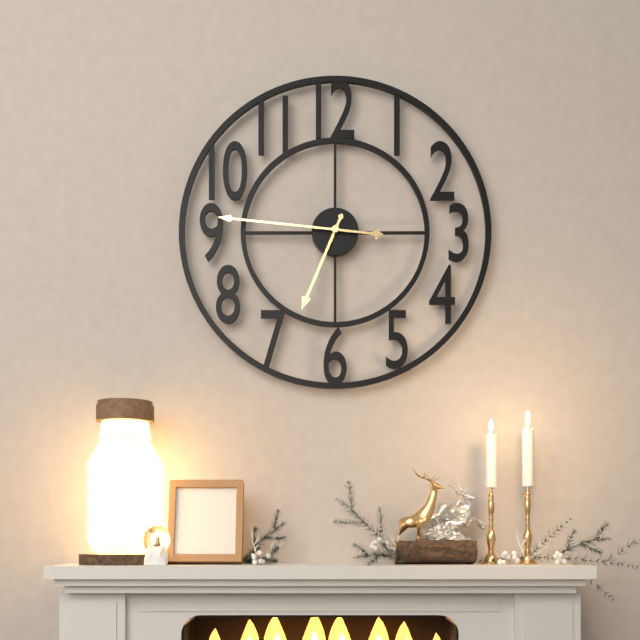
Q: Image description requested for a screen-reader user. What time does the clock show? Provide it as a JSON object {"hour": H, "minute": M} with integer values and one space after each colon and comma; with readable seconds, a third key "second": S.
{"hour": 6, "minute": 46}
